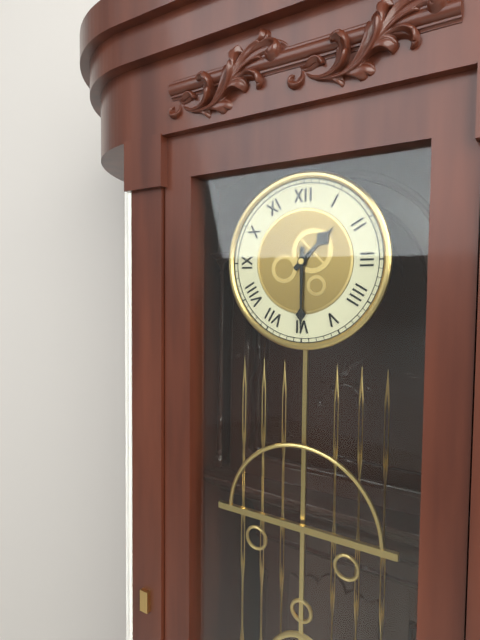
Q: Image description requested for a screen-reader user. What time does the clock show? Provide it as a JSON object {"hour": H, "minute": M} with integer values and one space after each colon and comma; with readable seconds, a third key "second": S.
{"hour": 1, "minute": 30}
